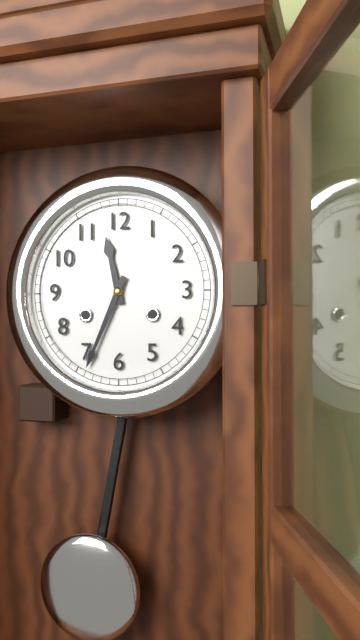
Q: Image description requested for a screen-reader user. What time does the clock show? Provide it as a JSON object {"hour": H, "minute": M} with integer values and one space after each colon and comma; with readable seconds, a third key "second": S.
{"hour": 11, "minute": 34}
